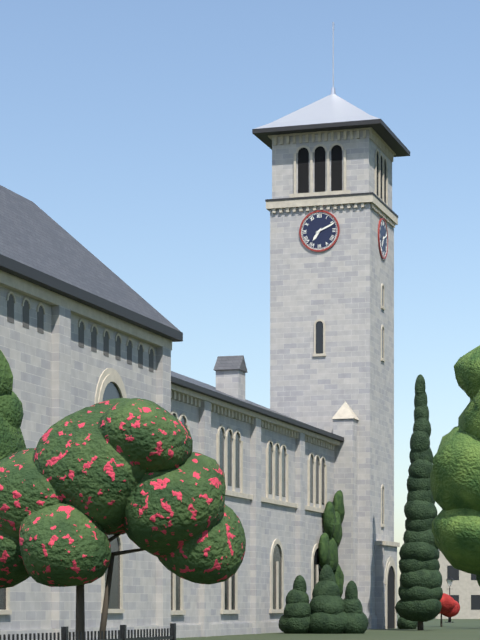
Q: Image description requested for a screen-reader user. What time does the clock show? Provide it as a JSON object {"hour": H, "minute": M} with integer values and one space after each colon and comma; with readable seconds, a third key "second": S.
{"hour": 7, "minute": 11}
